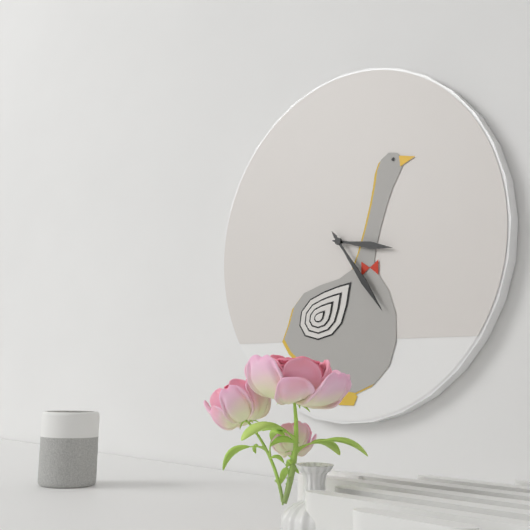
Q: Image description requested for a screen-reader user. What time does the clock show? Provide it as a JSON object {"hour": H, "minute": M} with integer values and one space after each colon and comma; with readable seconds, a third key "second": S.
{"hour": 3, "minute": 24}
